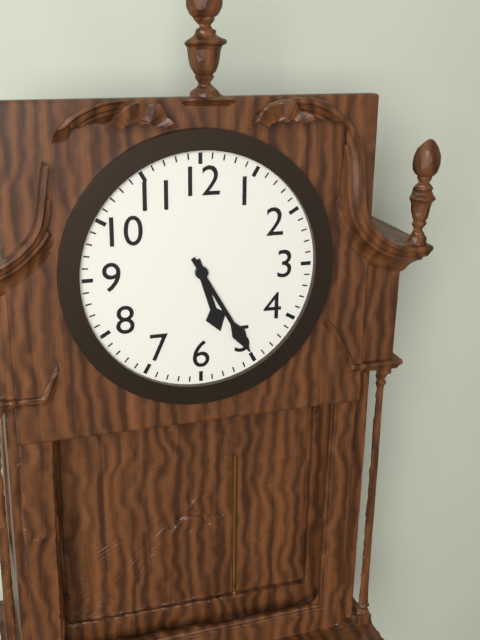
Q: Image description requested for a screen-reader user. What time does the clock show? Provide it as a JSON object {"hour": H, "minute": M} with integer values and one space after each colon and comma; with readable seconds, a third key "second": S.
{"hour": 5, "minute": 25}
